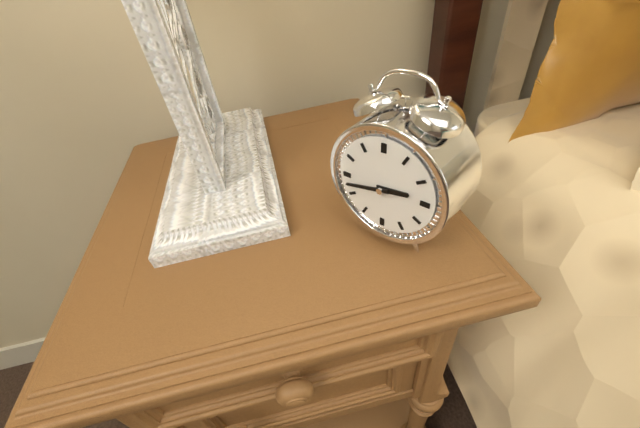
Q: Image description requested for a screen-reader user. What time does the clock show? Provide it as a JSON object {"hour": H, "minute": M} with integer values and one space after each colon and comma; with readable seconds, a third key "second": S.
{"hour": 2, "minute": 43}
